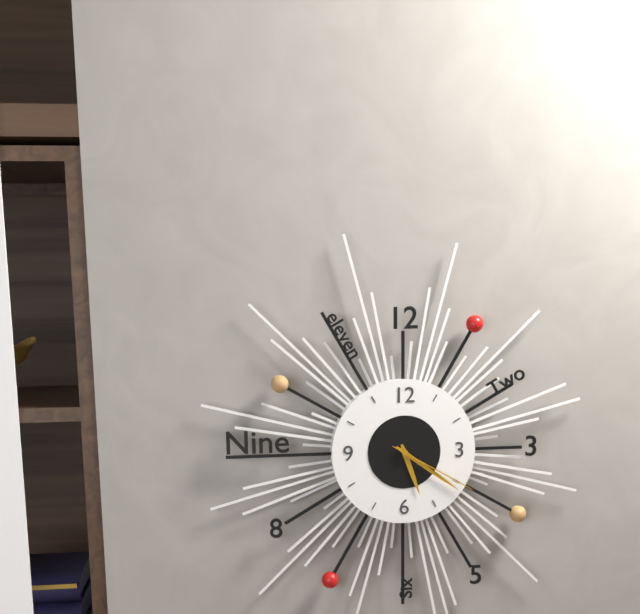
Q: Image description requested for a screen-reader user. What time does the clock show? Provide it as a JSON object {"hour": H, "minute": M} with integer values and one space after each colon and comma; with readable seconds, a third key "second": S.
{"hour": 5, "minute": 21, "second": 20}
